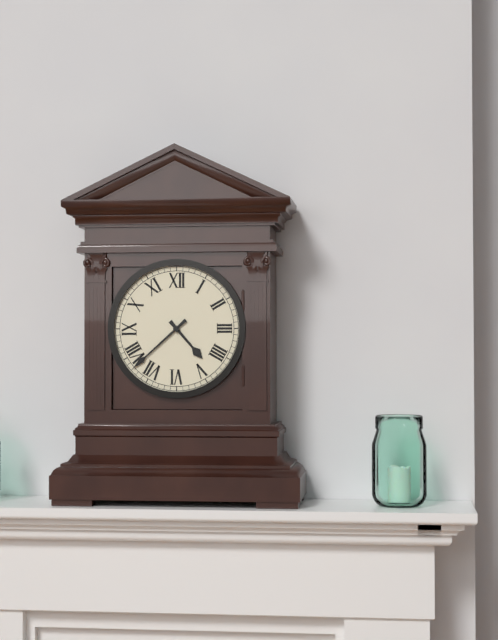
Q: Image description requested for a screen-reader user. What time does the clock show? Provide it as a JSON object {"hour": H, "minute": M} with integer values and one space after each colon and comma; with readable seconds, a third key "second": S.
{"hour": 4, "minute": 38}
